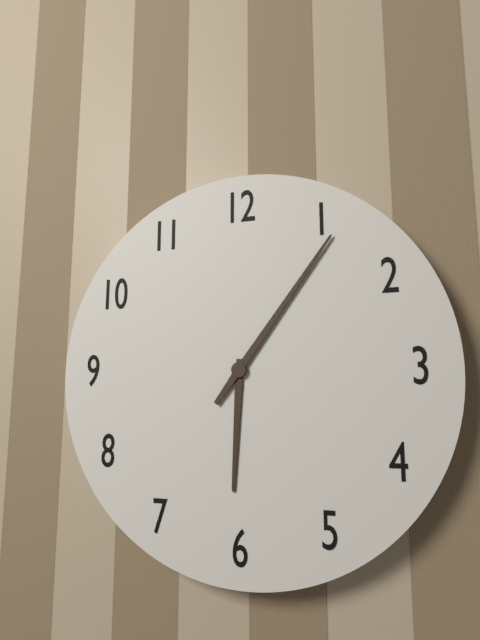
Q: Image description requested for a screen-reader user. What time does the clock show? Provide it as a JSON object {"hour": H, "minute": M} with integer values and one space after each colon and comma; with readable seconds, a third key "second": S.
{"hour": 6, "minute": 6}
